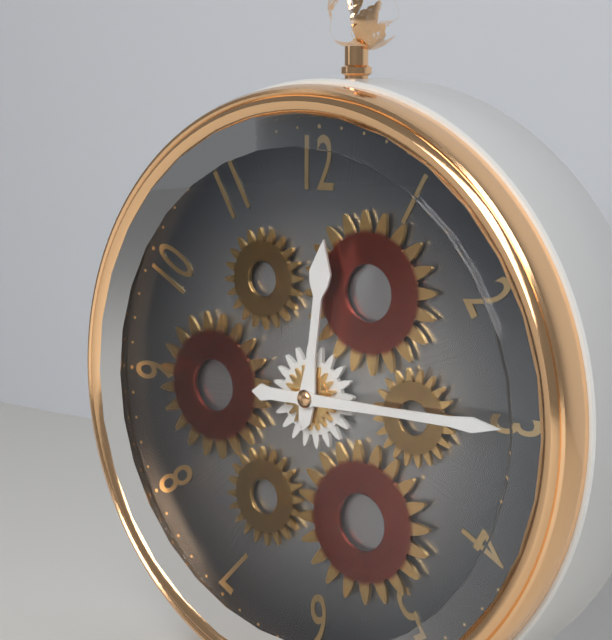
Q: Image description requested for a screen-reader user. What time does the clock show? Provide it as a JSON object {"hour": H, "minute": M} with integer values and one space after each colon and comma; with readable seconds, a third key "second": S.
{"hour": 12, "minute": 15}
